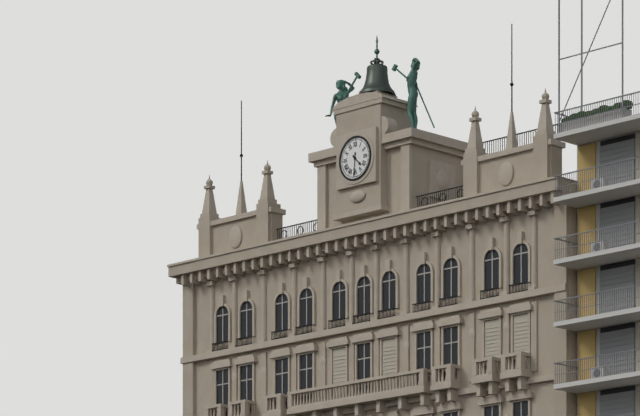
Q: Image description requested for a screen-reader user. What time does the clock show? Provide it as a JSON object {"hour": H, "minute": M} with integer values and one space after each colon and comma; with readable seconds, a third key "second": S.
{"hour": 4, "minute": 31}
